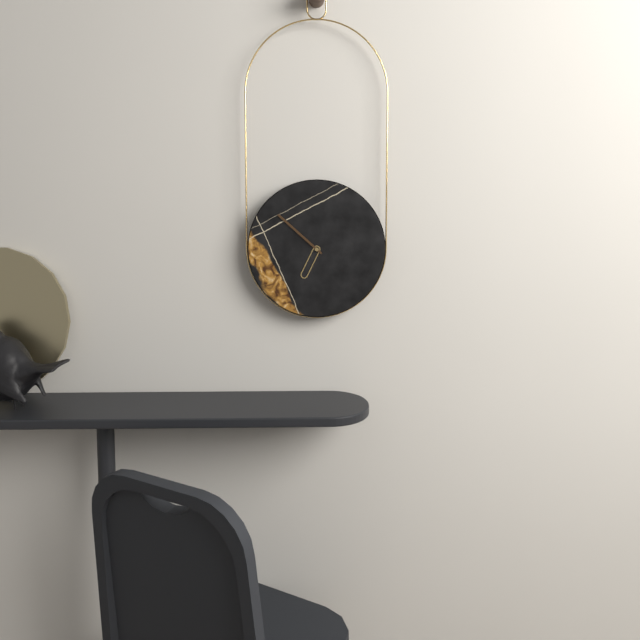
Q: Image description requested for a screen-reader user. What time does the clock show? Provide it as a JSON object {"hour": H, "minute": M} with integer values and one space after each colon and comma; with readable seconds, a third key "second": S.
{"hour": 6, "minute": 52}
